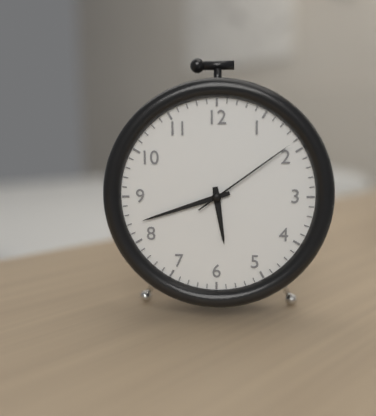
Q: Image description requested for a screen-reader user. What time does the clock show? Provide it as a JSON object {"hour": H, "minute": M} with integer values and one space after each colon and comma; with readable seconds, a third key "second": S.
{"hour": 5, "minute": 42, "second": 9}
